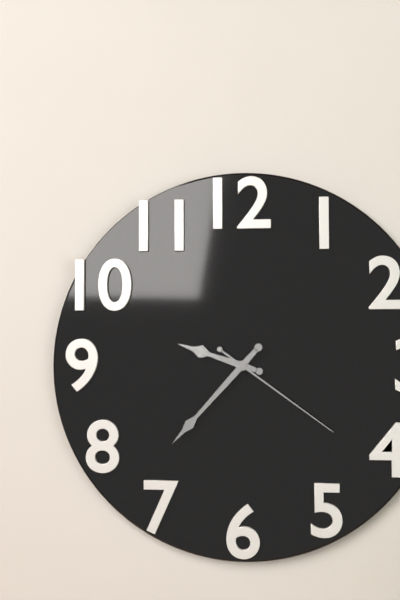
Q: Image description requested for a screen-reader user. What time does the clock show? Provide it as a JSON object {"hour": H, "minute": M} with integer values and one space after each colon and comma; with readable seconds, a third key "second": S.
{"hour": 9, "minute": 37, "second": 21}
